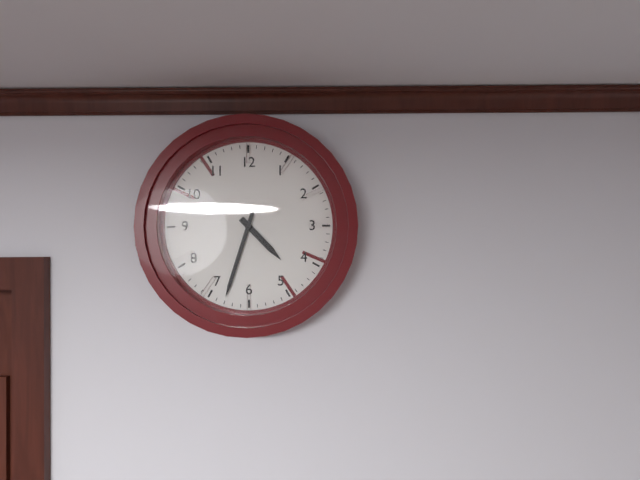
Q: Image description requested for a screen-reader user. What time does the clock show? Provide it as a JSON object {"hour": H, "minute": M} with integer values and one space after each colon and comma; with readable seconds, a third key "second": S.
{"hour": 4, "minute": 33}
